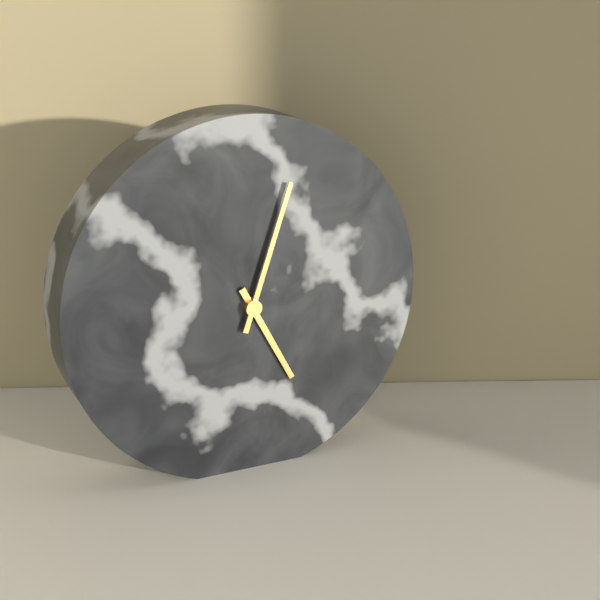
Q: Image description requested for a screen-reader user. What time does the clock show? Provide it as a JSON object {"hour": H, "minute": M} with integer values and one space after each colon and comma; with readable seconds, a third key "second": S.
{"hour": 5, "minute": 3}
